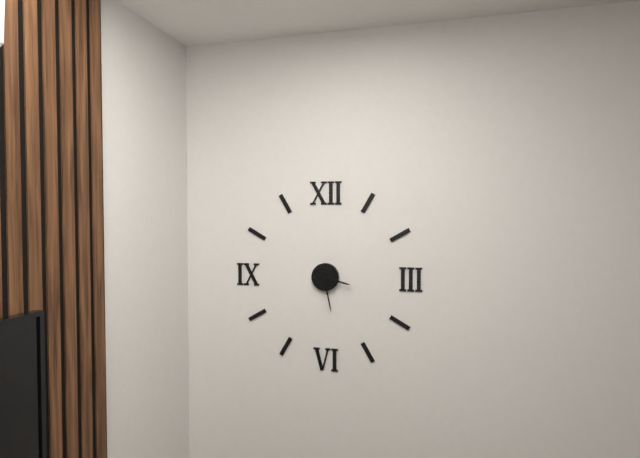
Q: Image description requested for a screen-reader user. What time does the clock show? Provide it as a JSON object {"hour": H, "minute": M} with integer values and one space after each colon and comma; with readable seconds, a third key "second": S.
{"hour": 3, "minute": 28}
